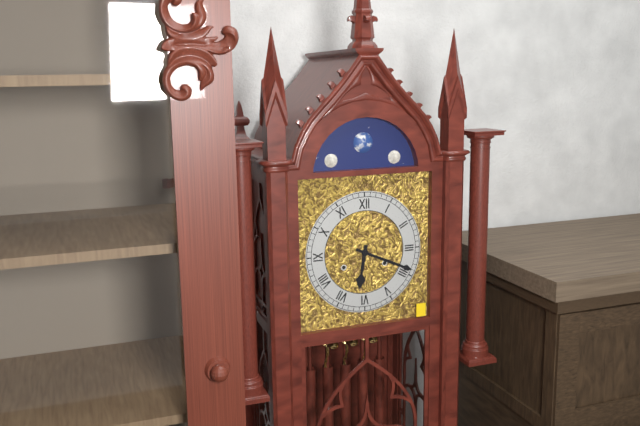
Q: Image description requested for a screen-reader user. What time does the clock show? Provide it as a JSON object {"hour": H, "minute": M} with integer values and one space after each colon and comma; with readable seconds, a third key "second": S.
{"hour": 6, "minute": 19}
